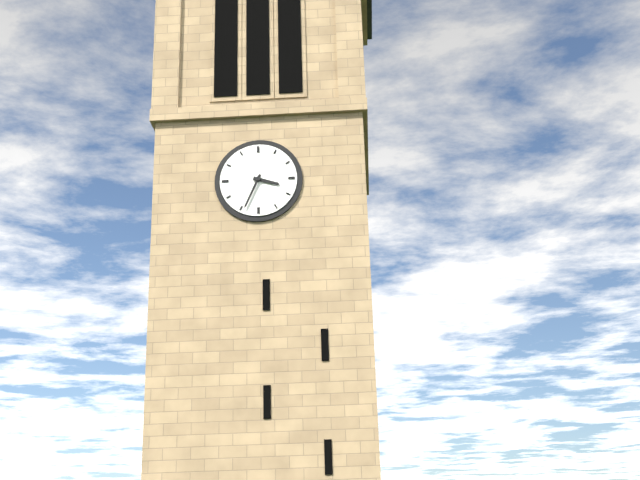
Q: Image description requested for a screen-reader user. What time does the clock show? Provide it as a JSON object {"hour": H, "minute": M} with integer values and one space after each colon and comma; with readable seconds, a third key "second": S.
{"hour": 3, "minute": 34}
